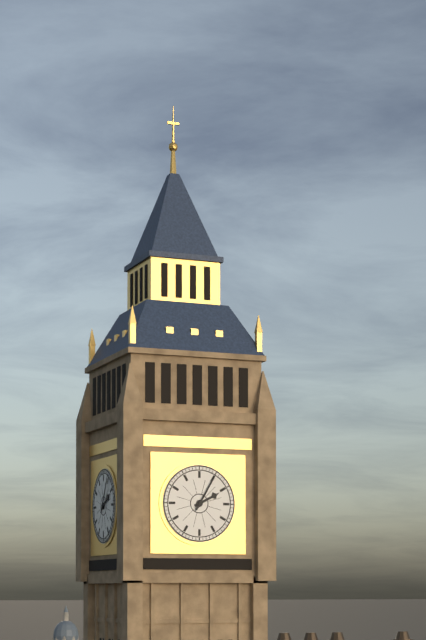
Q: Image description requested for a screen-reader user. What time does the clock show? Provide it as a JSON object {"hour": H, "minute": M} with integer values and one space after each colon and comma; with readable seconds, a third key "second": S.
{"hour": 2, "minute": 5}
